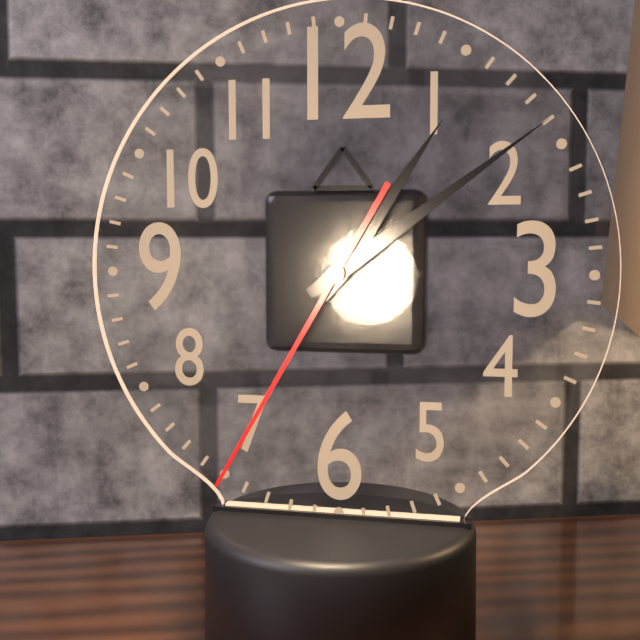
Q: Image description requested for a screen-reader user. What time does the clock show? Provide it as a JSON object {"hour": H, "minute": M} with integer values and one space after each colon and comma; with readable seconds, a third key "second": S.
{"hour": 1, "minute": 9, "second": 35}
